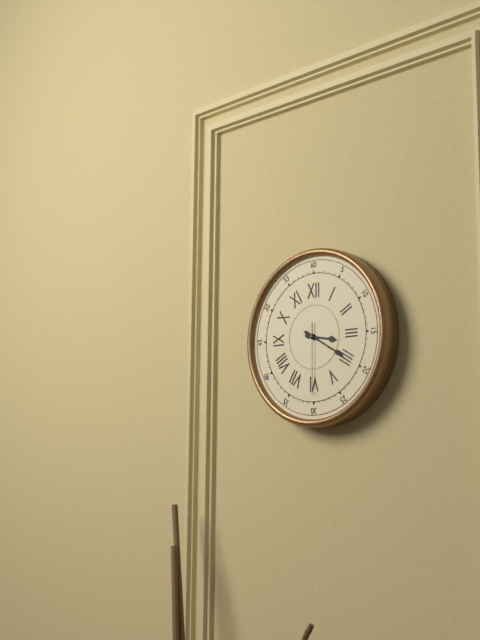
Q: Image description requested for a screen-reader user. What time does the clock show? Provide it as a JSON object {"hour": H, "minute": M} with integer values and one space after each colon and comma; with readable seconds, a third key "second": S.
{"hour": 3, "minute": 20, "second": 30}
